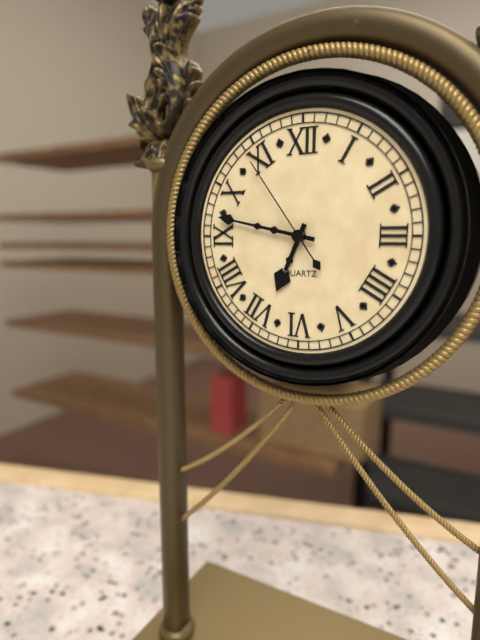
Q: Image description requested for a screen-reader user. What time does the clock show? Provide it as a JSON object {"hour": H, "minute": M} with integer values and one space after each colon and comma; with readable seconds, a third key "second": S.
{"hour": 6, "minute": 47, "second": 54}
